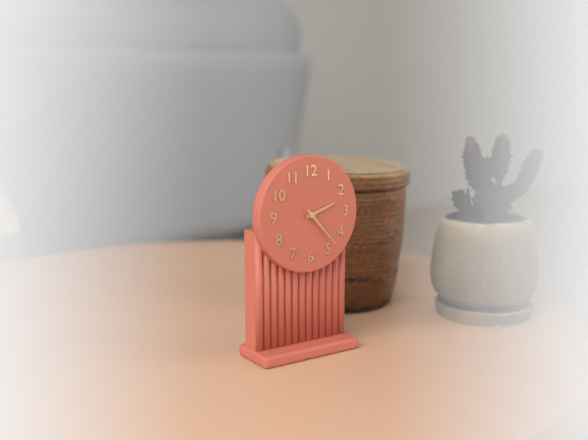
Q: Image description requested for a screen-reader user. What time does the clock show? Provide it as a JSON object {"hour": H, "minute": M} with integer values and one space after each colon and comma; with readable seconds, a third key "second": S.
{"hour": 2, "minute": 23}
